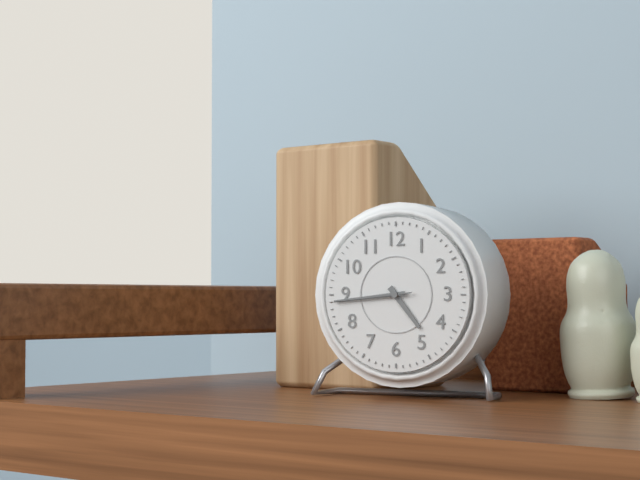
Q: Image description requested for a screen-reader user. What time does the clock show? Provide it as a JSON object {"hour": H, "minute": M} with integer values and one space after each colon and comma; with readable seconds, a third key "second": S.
{"hour": 4, "minute": 44, "second": 44}
